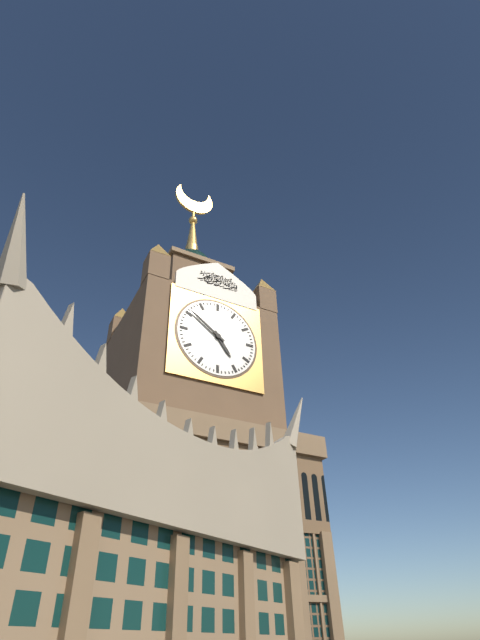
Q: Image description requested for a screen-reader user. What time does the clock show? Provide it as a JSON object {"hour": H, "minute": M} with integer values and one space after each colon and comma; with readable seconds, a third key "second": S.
{"hour": 4, "minute": 51}
